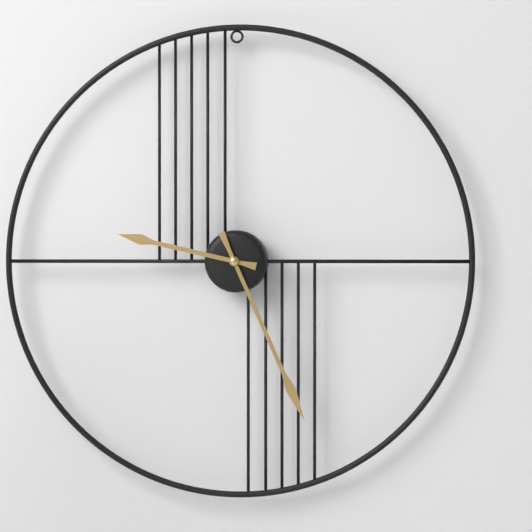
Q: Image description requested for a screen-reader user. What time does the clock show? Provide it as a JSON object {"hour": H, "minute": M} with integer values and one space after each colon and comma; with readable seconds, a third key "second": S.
{"hour": 9, "minute": 26}
